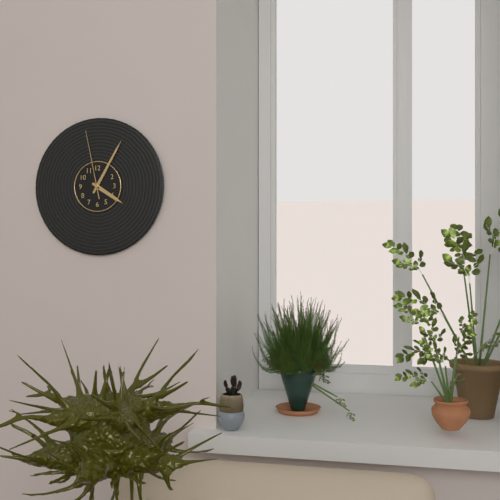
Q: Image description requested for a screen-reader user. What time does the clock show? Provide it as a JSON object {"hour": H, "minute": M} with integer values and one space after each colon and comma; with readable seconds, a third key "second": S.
{"hour": 4, "minute": 5, "second": 58}
